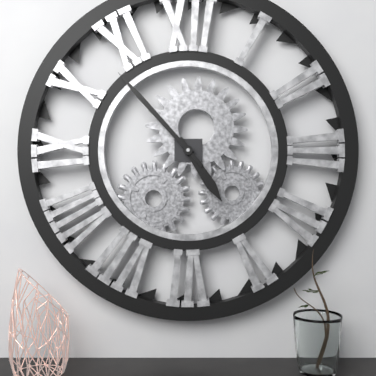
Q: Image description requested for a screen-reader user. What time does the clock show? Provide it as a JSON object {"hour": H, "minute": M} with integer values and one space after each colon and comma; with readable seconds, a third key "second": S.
{"hour": 4, "minute": 53}
